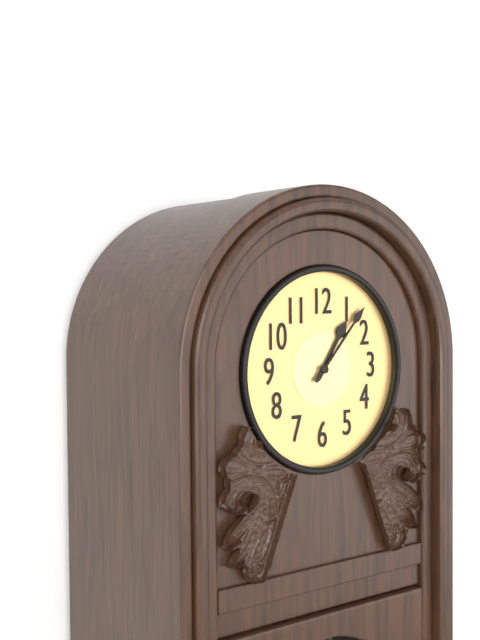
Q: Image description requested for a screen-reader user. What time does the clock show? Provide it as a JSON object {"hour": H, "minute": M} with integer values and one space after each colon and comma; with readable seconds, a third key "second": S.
{"hour": 1, "minute": 7}
